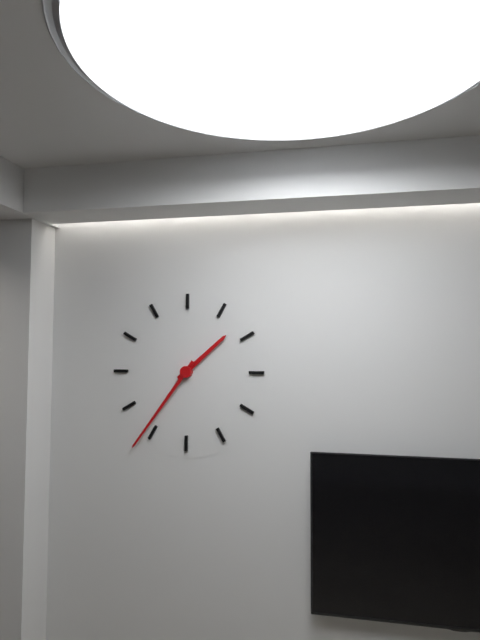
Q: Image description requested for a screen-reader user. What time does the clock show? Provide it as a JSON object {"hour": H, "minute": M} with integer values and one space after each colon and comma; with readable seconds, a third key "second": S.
{"hour": 1, "minute": 36}
